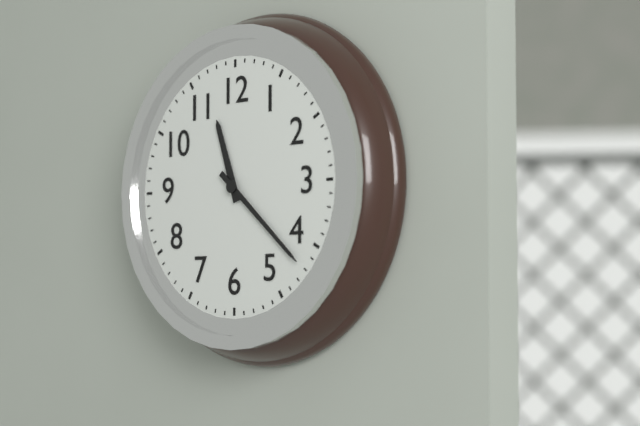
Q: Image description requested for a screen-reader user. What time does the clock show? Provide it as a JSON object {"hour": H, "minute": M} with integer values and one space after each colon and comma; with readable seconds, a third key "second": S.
{"hour": 11, "minute": 22}
